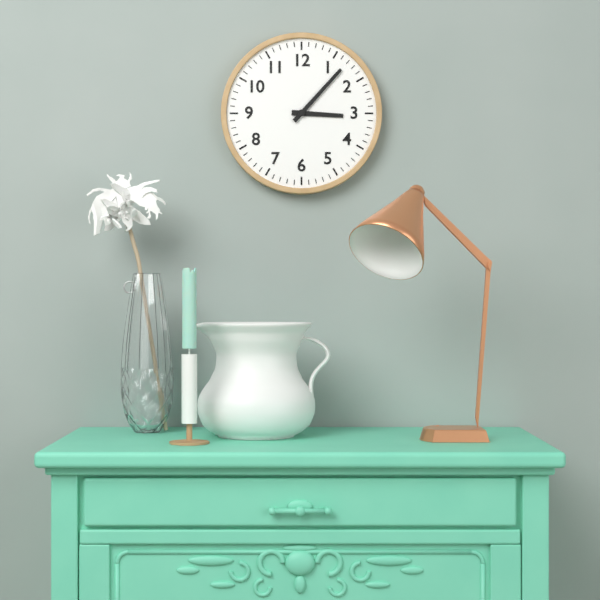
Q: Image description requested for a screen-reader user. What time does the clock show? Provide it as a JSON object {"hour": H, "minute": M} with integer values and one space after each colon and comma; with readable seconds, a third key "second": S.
{"hour": 3, "minute": 7}
